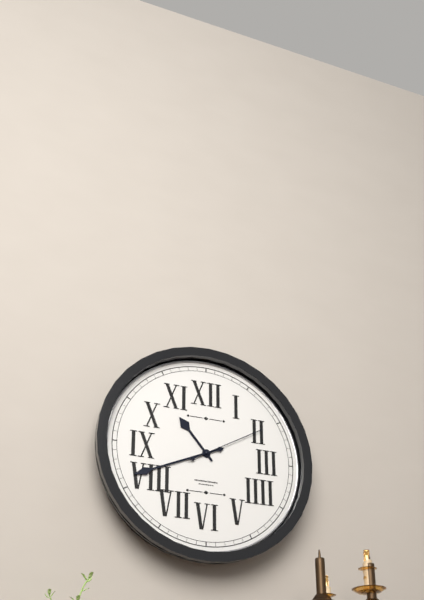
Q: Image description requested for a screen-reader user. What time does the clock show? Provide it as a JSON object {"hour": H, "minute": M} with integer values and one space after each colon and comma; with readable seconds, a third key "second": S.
{"hour": 10, "minute": 41, "second": 10}
